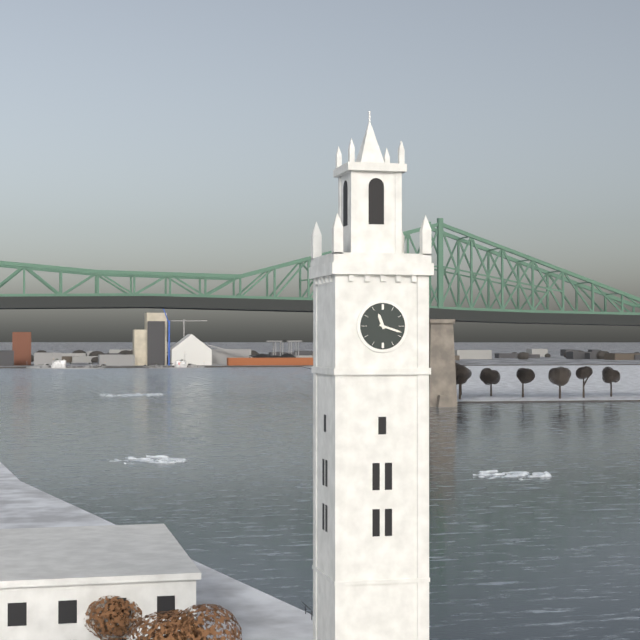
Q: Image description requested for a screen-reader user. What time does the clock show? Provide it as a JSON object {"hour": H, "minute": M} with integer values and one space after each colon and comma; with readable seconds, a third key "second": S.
{"hour": 11, "minute": 18}
